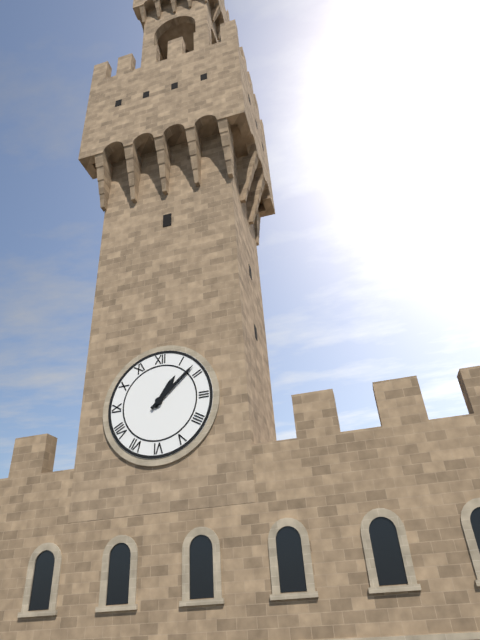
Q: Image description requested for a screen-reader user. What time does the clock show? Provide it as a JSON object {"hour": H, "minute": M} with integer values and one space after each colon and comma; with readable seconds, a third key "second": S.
{"hour": 1, "minute": 8}
